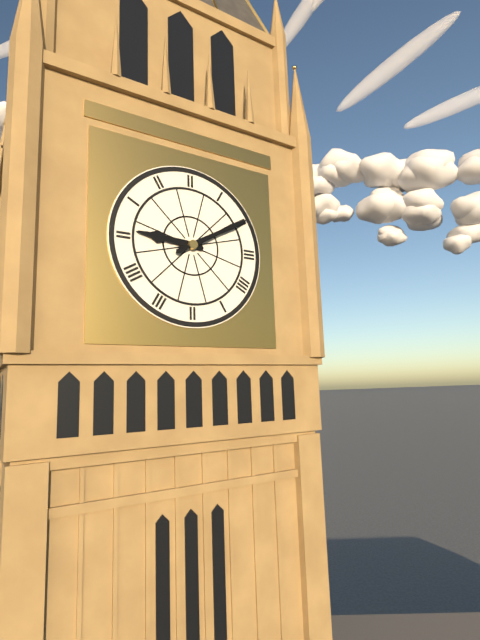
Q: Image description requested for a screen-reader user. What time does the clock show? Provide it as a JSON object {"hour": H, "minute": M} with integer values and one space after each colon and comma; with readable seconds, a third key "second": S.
{"hour": 9, "minute": 10}
